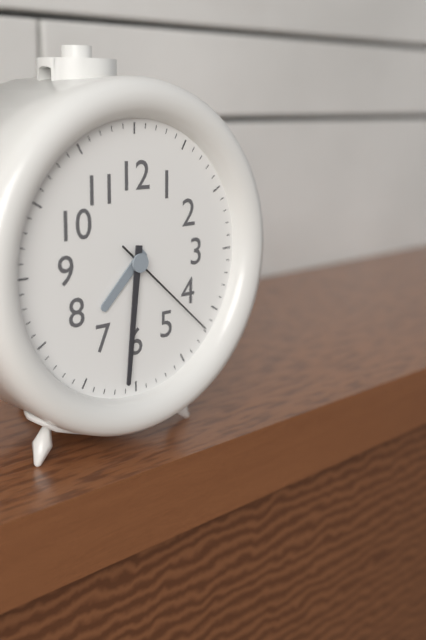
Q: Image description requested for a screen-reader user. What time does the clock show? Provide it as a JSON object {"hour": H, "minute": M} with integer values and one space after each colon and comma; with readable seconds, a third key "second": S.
{"hour": 7, "minute": 31, "second": 22}
